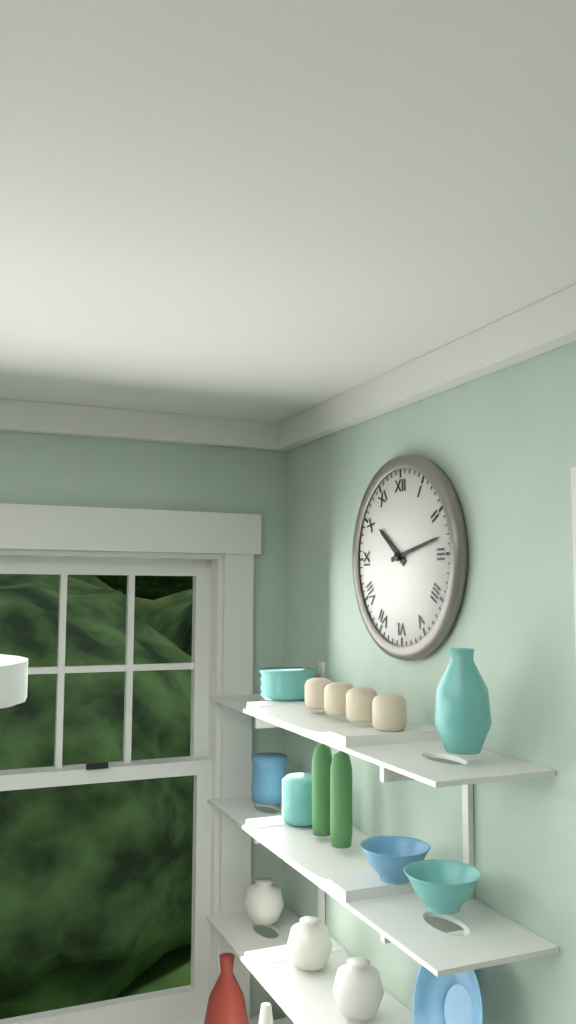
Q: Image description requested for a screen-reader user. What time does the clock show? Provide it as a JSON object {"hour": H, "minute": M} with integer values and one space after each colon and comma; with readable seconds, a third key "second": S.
{"hour": 10, "minute": 13}
